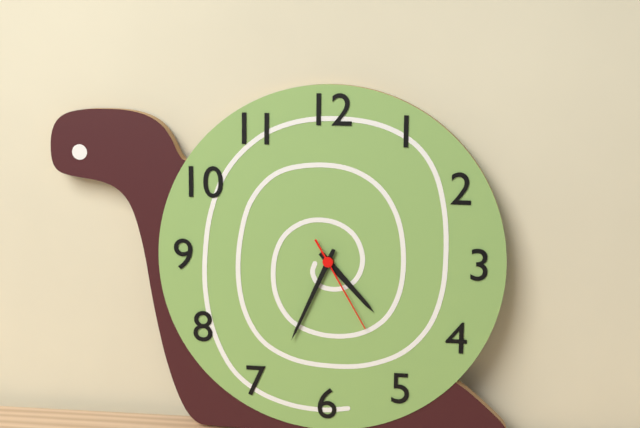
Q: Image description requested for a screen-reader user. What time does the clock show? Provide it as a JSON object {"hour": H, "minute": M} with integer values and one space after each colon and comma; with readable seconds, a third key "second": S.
{"hour": 4, "minute": 34, "second": 25}
